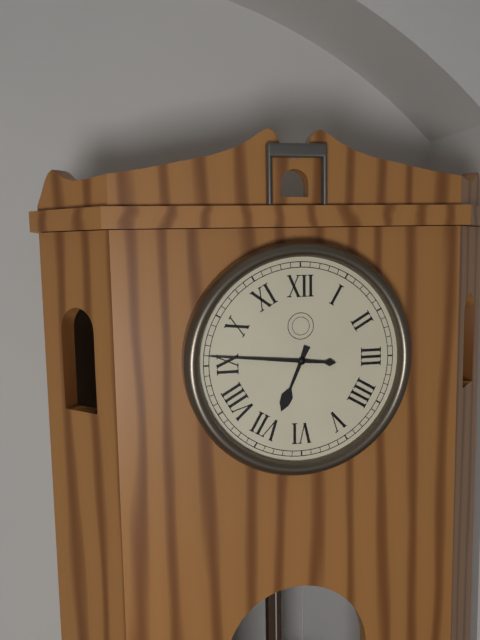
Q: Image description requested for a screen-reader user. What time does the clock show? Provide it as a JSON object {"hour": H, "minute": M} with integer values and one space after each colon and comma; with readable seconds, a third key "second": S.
{"hour": 6, "minute": 46}
